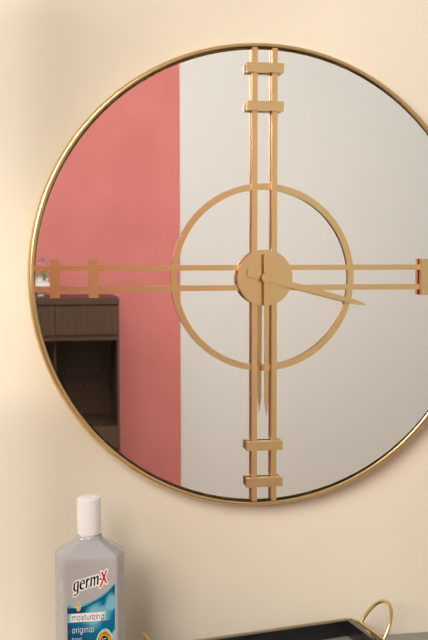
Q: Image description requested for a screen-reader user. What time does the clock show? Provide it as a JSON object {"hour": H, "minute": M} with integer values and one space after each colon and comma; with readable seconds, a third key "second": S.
{"hour": 3, "minute": 30}
